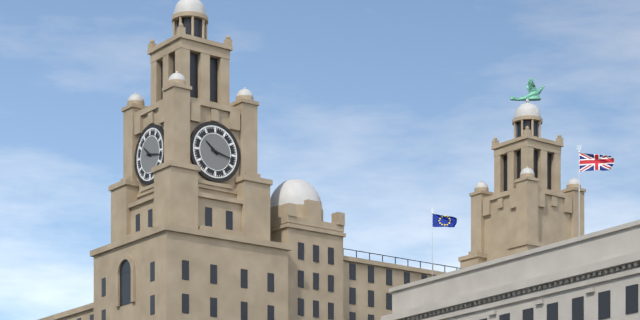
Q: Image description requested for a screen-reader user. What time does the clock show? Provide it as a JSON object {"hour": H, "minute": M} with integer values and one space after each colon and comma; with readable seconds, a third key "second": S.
{"hour": 10, "minute": 17}
